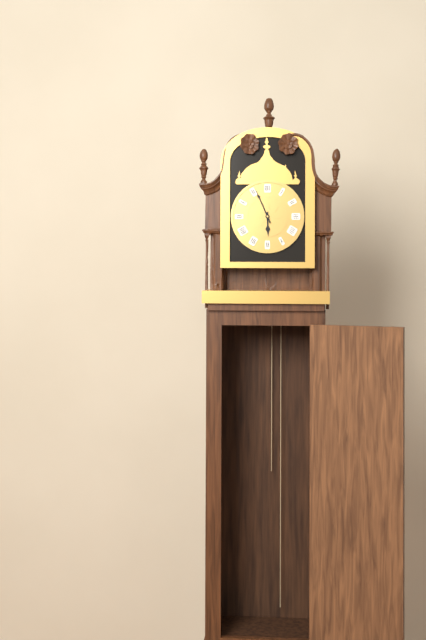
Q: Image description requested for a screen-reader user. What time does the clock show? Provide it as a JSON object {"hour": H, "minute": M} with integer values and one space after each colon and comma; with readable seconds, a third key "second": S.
{"hour": 5, "minute": 56}
